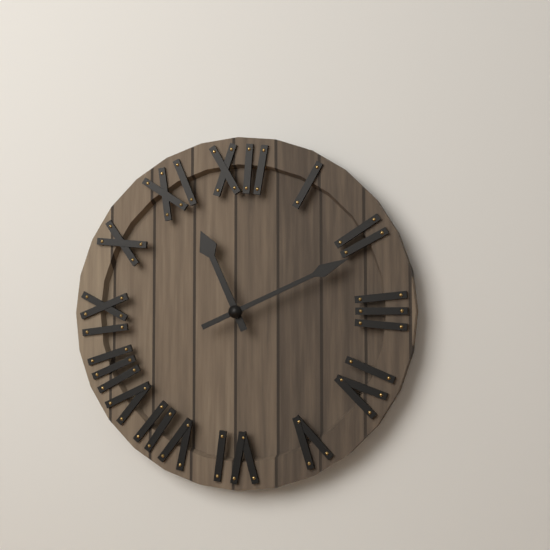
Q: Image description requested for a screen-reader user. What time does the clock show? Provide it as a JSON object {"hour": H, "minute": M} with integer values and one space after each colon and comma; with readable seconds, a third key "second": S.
{"hour": 11, "minute": 11}
